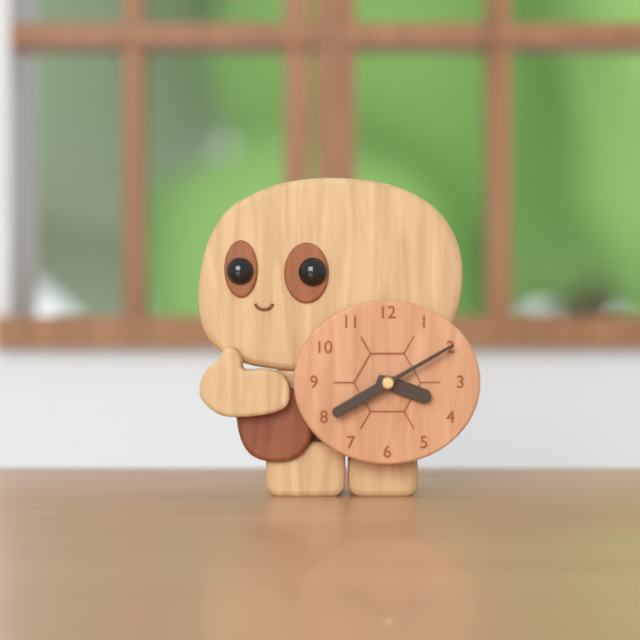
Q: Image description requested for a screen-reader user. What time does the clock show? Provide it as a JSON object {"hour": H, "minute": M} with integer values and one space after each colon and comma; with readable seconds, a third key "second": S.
{"hour": 3, "minute": 40}
